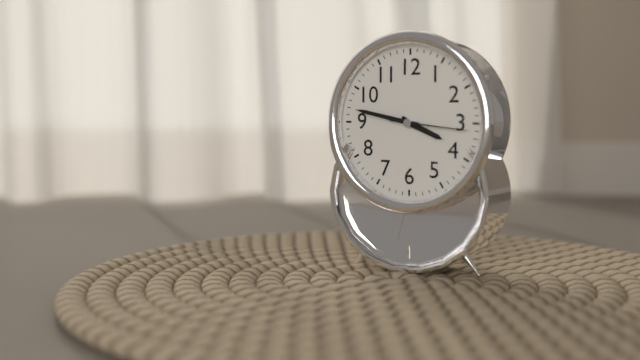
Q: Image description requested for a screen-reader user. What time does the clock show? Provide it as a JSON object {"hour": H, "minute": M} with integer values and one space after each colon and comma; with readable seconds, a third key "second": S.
{"hour": 3, "minute": 47, "second": 16}
